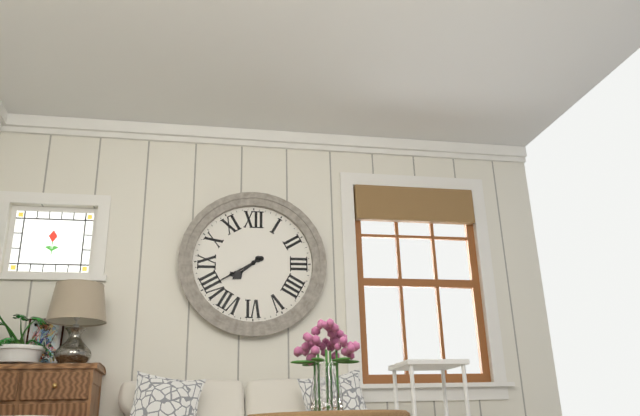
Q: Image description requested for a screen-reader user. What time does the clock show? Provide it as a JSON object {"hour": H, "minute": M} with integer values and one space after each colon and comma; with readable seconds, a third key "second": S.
{"hour": 7, "minute": 40}
